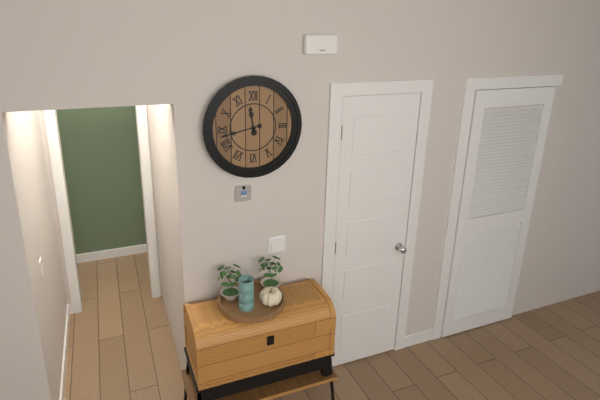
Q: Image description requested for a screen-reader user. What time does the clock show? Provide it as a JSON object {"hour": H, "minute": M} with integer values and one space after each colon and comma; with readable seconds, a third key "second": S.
{"hour": 11, "minute": 43}
